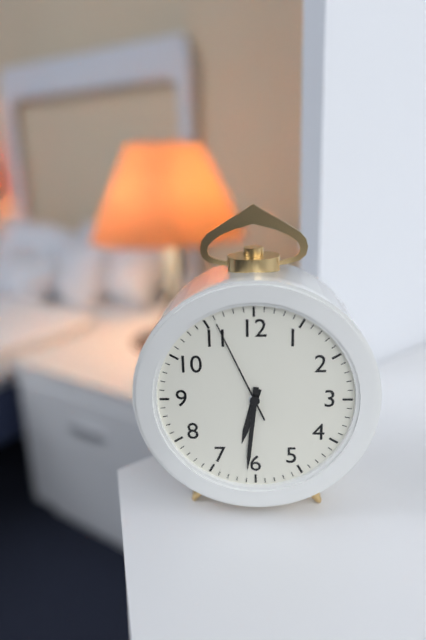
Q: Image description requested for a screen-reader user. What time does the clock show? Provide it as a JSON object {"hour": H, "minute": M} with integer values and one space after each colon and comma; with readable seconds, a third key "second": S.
{"hour": 6, "minute": 31, "second": 56}
